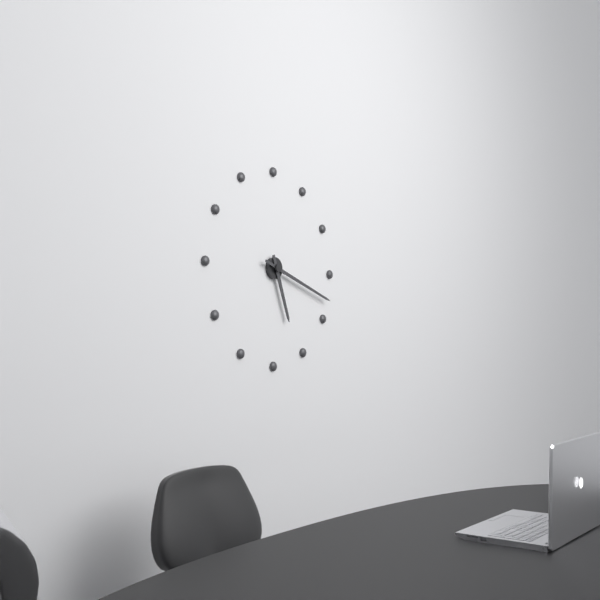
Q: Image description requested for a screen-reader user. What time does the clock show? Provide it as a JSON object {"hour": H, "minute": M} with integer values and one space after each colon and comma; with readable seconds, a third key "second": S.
{"hour": 5, "minute": 18}
